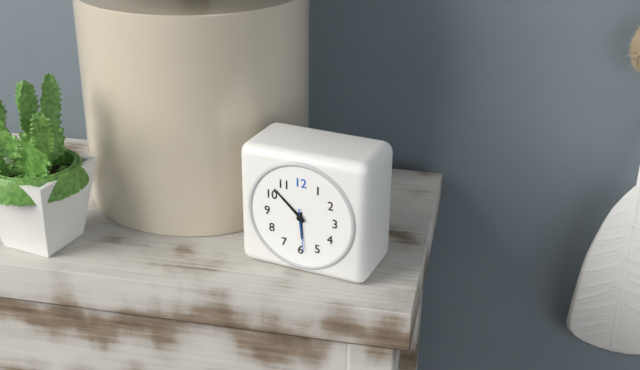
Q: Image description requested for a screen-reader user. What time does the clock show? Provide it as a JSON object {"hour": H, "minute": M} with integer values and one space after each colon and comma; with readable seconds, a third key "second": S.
{"hour": 5, "minute": 52}
